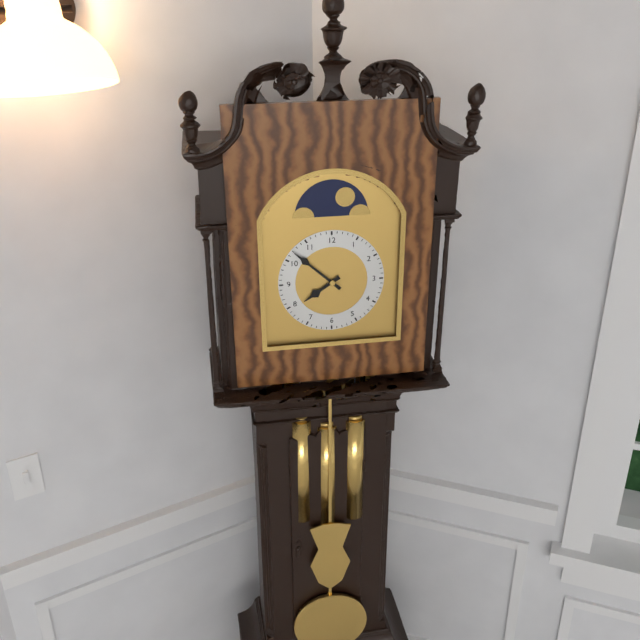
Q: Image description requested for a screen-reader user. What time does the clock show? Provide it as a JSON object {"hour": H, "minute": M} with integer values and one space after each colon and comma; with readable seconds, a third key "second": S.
{"hour": 7, "minute": 52}
